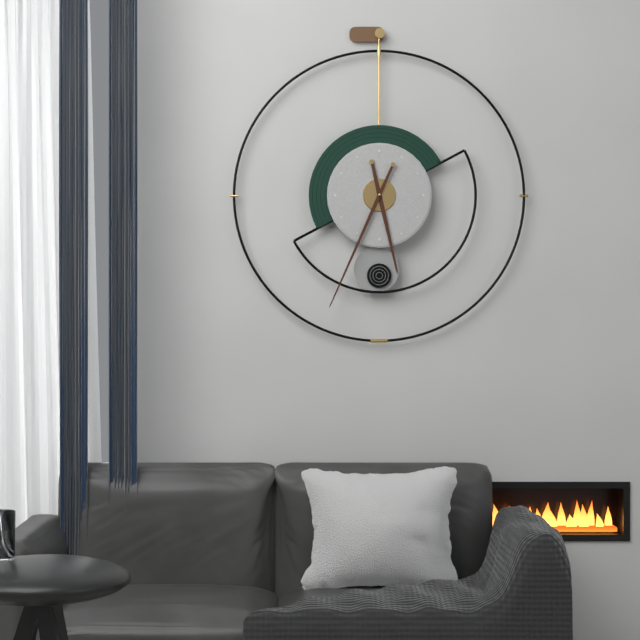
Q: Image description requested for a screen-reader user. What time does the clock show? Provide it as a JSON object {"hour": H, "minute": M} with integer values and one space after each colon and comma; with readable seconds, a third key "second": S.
{"hour": 5, "minute": 34}
